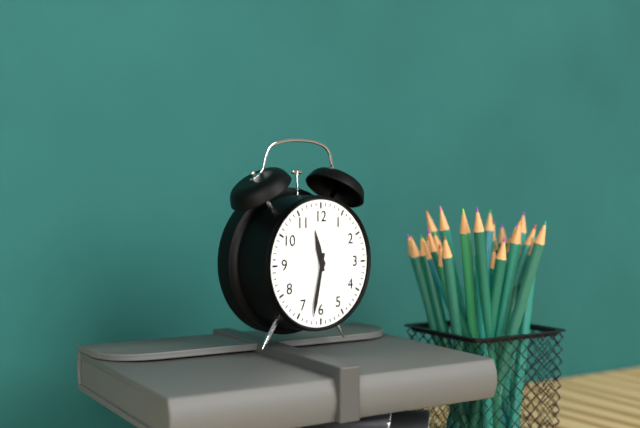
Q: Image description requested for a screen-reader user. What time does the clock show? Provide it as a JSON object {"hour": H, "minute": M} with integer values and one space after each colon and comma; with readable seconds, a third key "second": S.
{"hour": 11, "minute": 32}
